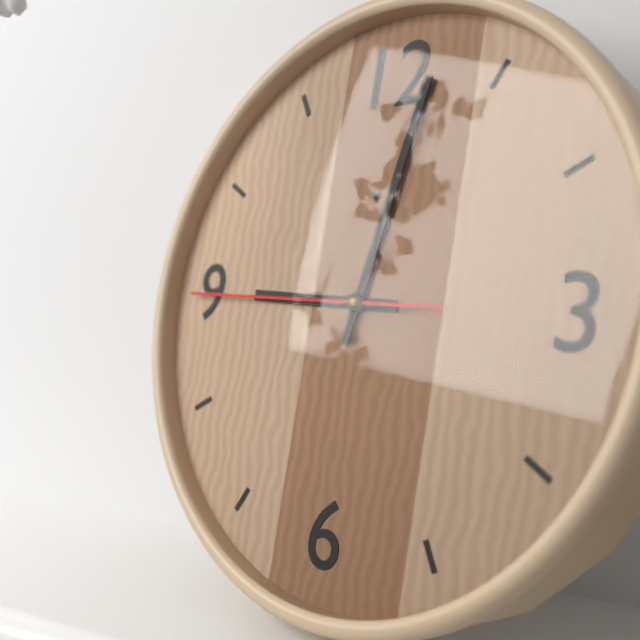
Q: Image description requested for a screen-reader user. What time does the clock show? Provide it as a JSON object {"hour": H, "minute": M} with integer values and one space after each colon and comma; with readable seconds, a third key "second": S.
{"hour": 9, "minute": 2, "second": 45}
